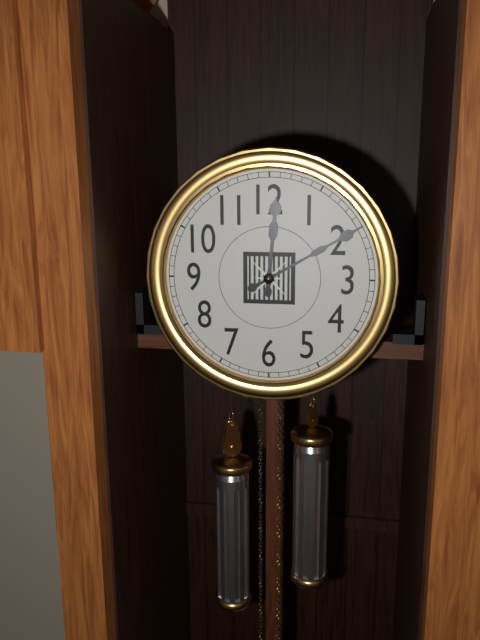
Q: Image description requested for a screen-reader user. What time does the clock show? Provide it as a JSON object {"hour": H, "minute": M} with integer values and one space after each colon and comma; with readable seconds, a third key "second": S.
{"hour": 12, "minute": 10}
